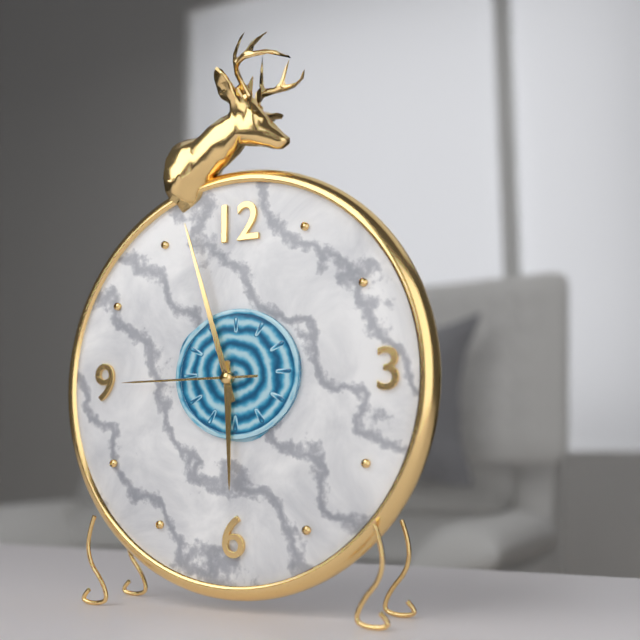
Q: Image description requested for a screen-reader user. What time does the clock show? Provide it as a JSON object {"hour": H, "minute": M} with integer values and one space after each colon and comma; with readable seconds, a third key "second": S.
{"hour": 5, "minute": 57, "second": 45}
